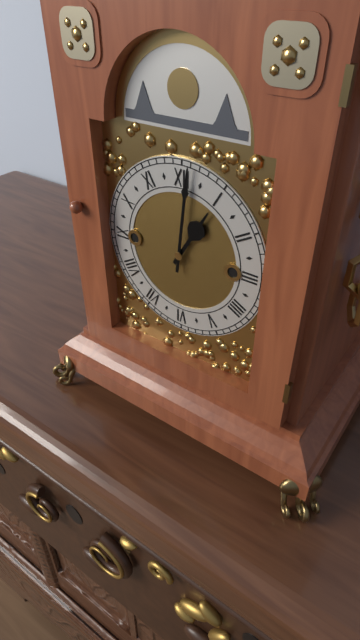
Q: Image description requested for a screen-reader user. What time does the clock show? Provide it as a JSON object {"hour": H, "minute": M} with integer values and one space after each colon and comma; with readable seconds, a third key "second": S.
{"hour": 1, "minute": 1}
